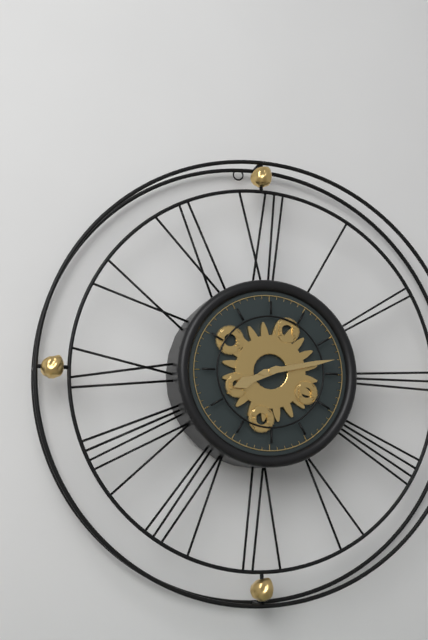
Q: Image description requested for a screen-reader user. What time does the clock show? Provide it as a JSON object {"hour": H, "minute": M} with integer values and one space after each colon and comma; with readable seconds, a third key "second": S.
{"hour": 8, "minute": 13}
